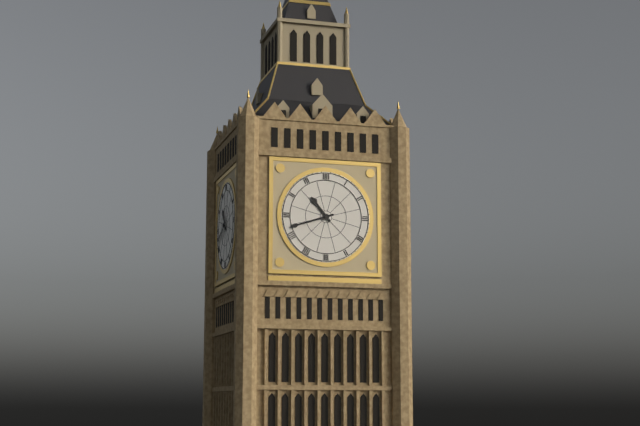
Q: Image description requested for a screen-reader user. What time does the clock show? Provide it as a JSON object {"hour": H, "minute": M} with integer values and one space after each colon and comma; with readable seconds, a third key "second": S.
{"hour": 10, "minute": 42}
